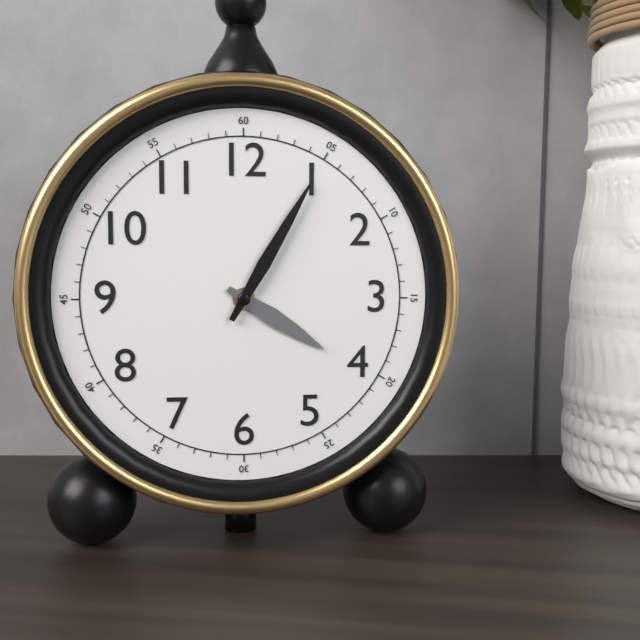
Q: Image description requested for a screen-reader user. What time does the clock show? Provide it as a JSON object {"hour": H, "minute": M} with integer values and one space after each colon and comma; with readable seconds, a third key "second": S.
{"hour": 4, "minute": 5}
